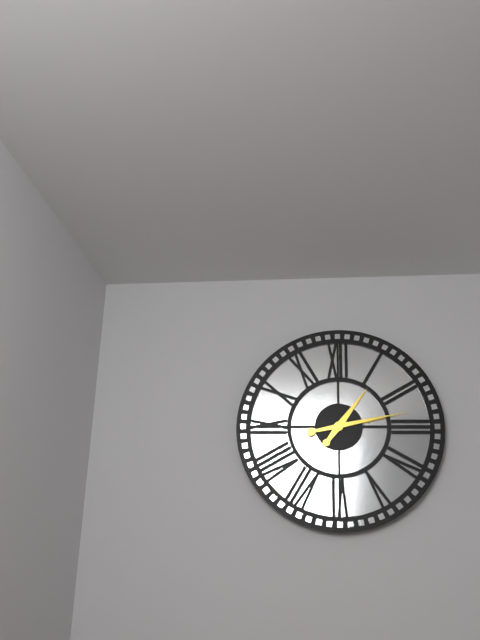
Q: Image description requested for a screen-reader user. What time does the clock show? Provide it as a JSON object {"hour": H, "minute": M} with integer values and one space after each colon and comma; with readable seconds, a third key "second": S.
{"hour": 1, "minute": 13}
